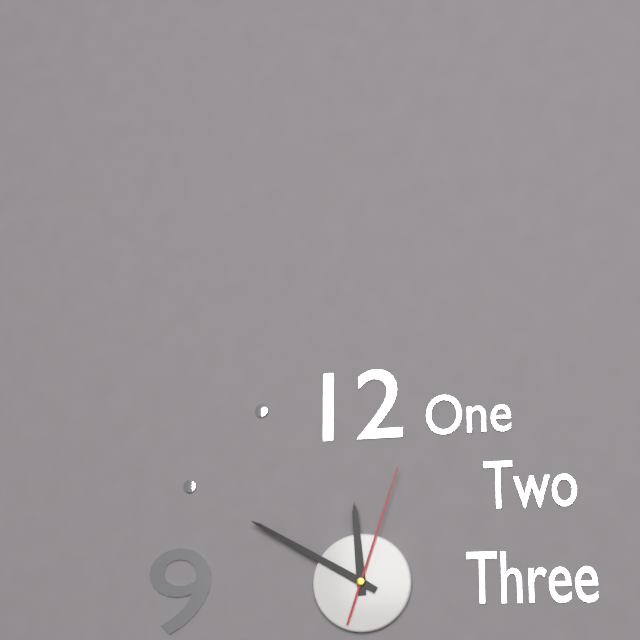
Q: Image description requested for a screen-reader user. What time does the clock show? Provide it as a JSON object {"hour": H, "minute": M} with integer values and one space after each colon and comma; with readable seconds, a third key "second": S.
{"hour": 11, "minute": 50, "second": 3}
